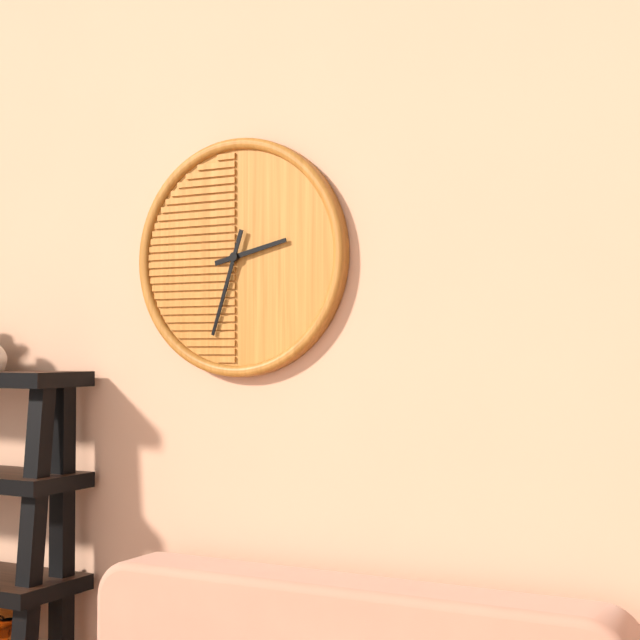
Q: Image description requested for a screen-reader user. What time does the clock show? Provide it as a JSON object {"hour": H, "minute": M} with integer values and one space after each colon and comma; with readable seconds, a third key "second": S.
{"hour": 2, "minute": 33}
